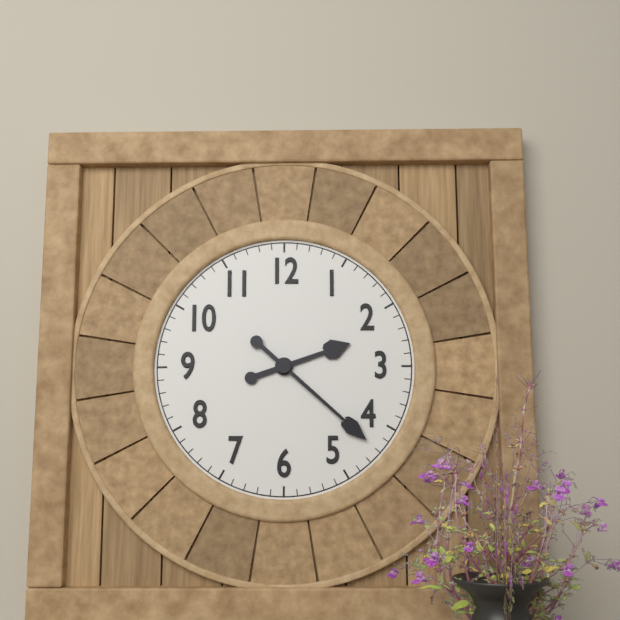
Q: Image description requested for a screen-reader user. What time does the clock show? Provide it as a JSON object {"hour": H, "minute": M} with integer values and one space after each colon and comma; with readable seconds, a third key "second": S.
{"hour": 2, "minute": 22}
